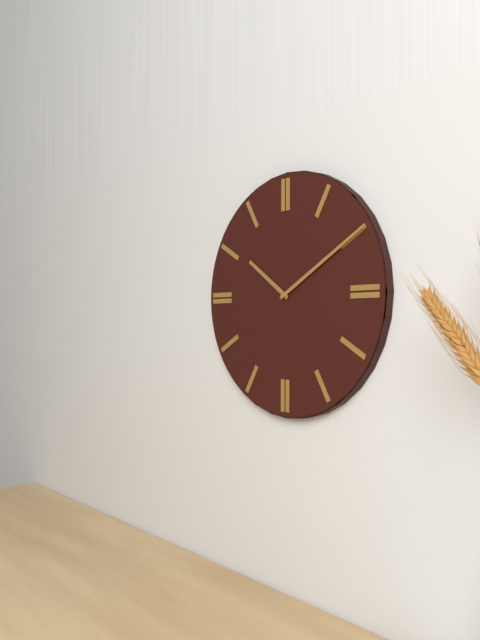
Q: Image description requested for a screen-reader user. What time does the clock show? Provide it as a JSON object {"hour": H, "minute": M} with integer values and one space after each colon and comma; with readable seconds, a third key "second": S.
{"hour": 10, "minute": 10}
